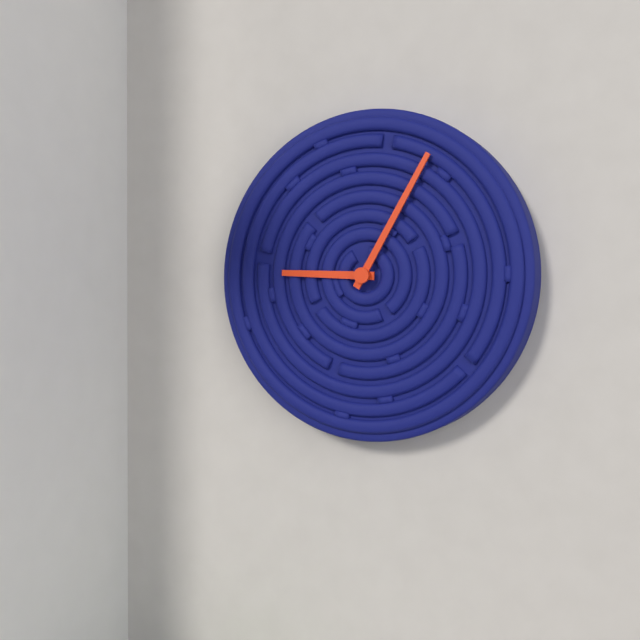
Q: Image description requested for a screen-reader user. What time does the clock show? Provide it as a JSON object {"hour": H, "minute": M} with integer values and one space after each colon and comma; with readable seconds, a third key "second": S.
{"hour": 9, "minute": 5}
